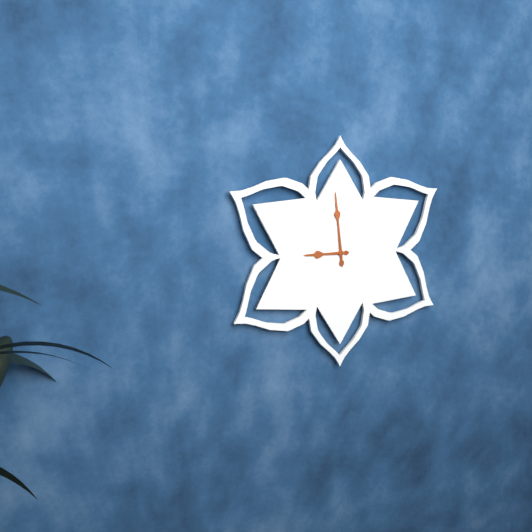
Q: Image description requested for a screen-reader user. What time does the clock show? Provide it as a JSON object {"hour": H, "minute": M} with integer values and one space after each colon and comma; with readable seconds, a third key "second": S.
{"hour": 8, "minute": 59}
